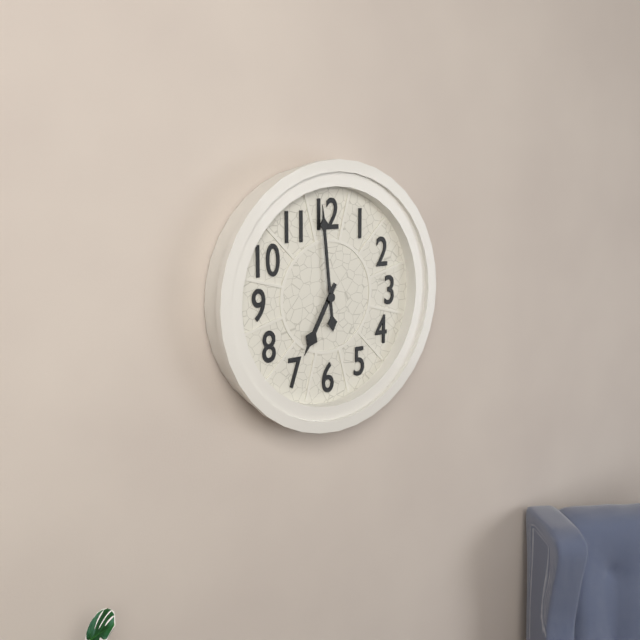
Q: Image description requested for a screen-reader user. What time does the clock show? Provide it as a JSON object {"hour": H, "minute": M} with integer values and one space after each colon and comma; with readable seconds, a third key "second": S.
{"hour": 6, "minute": 59}
